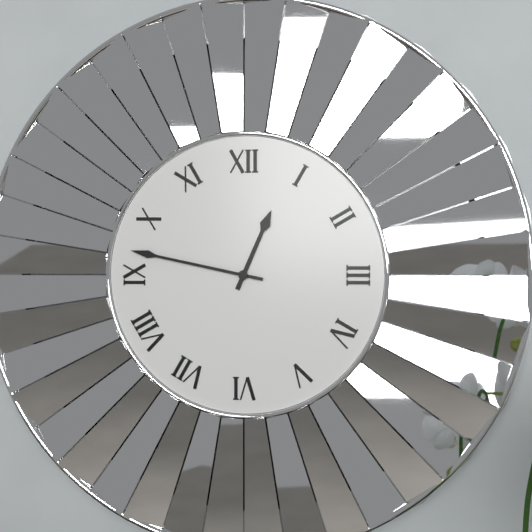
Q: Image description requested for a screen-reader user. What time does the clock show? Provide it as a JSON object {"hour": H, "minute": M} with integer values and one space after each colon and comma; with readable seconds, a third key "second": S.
{"hour": 12, "minute": 47}
